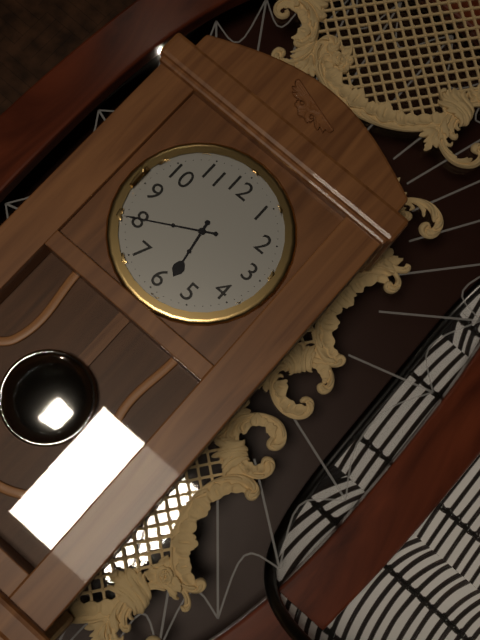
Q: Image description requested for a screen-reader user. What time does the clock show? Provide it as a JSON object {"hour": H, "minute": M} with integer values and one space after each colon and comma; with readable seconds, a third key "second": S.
{"hour": 5, "minute": 40}
